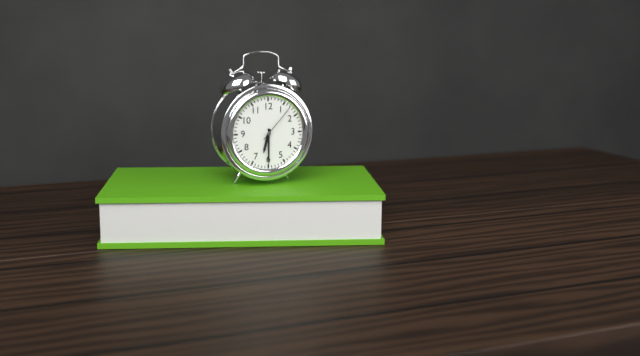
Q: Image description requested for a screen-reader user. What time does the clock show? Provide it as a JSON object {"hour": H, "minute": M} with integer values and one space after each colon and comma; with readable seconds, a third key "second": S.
{"hour": 6, "minute": 30}
